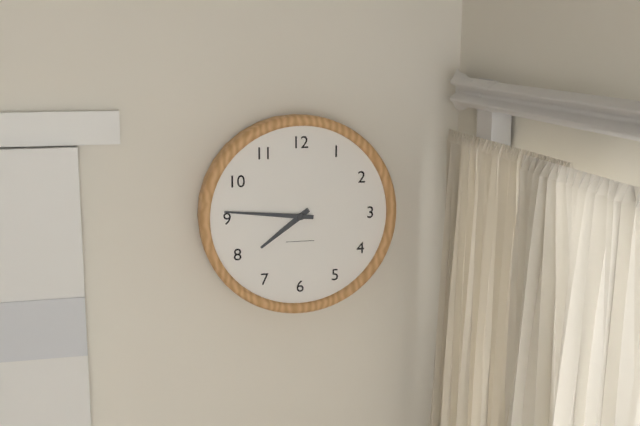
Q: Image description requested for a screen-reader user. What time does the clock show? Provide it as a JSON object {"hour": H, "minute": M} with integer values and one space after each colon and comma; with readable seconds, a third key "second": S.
{"hour": 7, "minute": 46}
